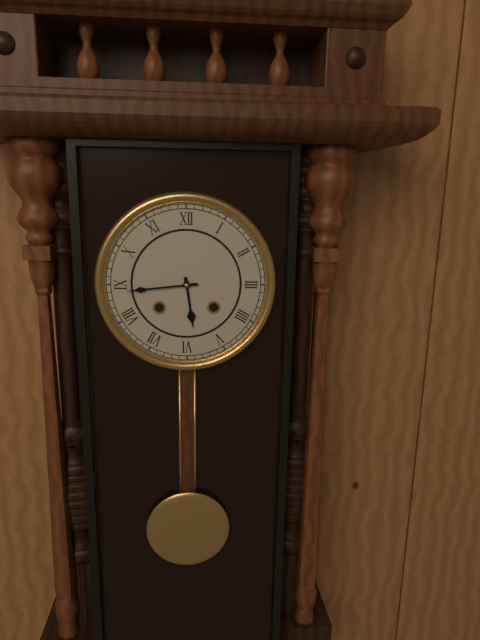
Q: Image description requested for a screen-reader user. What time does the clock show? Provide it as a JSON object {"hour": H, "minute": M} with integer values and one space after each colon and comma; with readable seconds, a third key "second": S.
{"hour": 5, "minute": 44}
